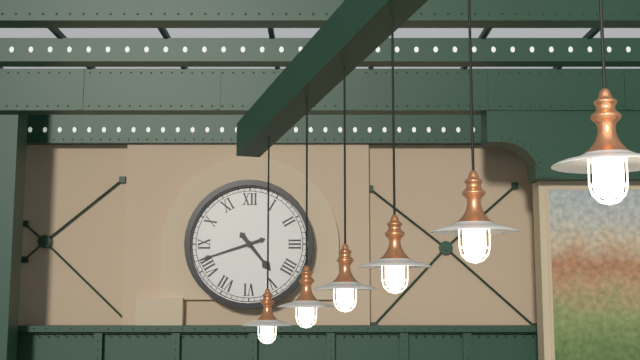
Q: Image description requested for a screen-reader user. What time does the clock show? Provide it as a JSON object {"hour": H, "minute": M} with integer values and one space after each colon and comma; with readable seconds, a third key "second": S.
{"hour": 4, "minute": 42}
